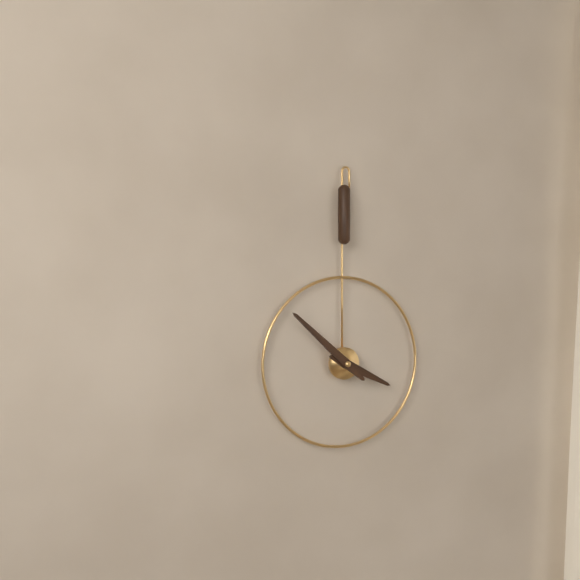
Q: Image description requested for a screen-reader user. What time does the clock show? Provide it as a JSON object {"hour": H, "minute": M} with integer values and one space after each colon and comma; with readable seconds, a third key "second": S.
{"hour": 3, "minute": 52}
